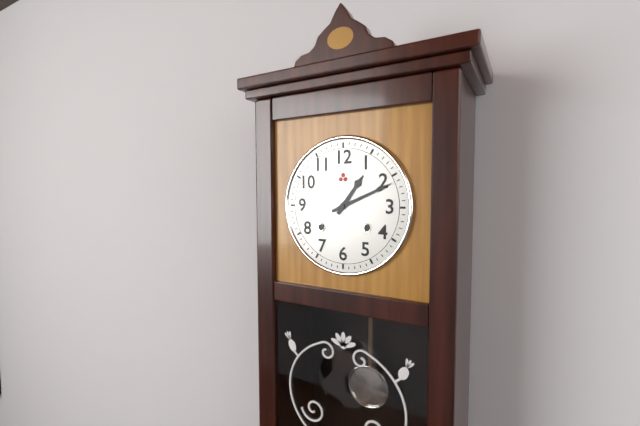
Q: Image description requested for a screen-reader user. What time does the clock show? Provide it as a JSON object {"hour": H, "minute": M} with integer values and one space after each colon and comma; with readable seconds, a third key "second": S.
{"hour": 1, "minute": 11}
